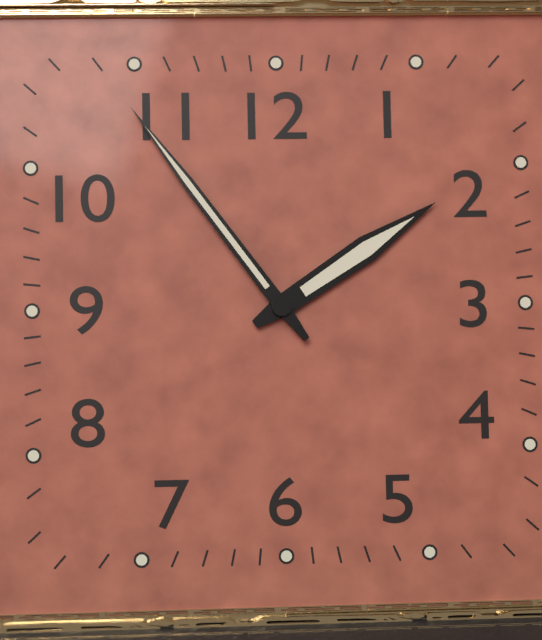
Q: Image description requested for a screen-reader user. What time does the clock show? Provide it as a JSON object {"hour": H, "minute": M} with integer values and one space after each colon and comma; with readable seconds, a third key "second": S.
{"hour": 1, "minute": 54}
